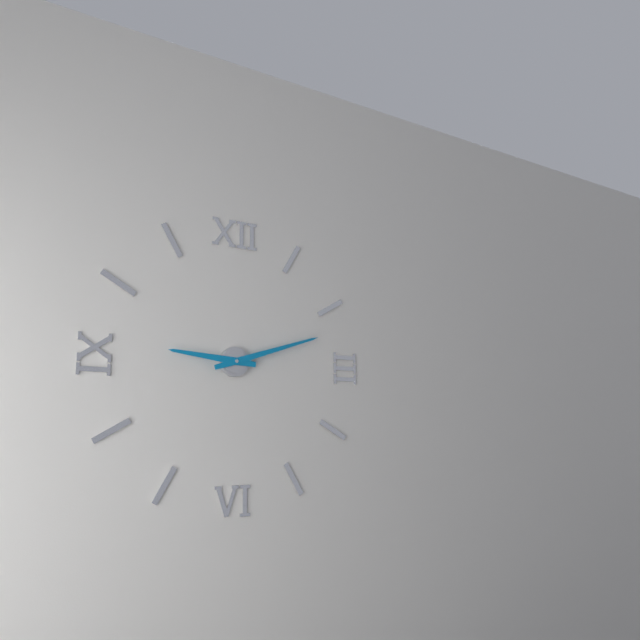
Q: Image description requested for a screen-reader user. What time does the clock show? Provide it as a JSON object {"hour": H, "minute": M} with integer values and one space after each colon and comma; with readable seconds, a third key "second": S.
{"hour": 9, "minute": 12}
